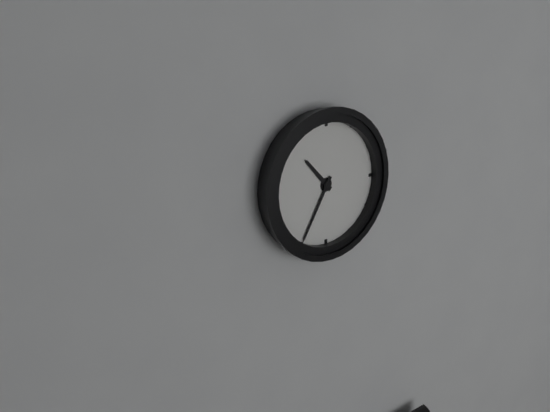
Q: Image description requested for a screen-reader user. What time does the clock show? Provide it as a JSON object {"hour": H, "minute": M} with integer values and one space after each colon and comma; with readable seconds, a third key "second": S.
{"hour": 10, "minute": 35}
